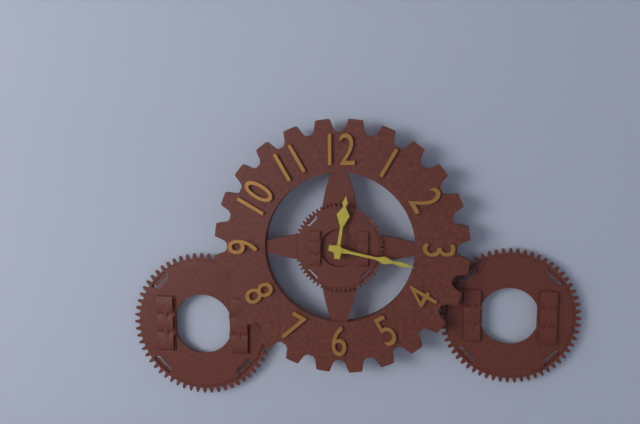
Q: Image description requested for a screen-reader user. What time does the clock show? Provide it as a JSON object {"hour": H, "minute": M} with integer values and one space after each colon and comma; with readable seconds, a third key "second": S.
{"hour": 12, "minute": 17}
